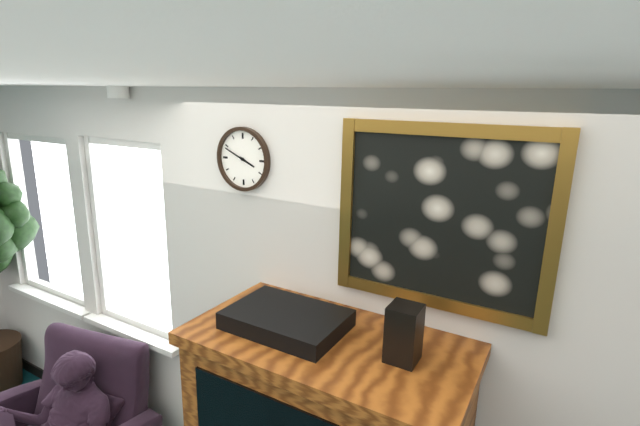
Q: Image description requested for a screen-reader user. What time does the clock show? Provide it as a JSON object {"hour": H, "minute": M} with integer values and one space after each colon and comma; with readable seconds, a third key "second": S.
{"hour": 3, "minute": 49}
